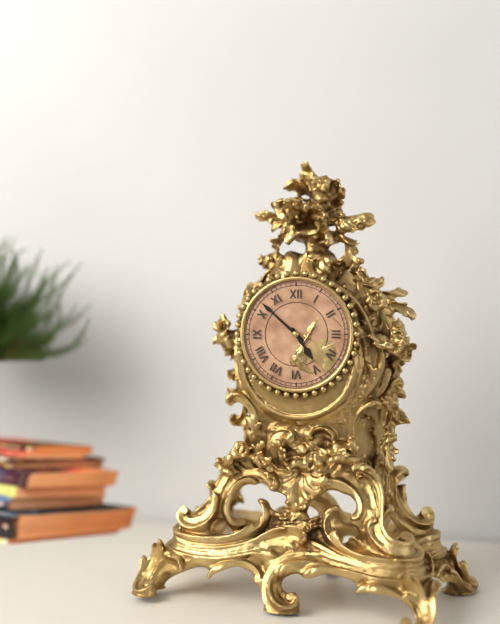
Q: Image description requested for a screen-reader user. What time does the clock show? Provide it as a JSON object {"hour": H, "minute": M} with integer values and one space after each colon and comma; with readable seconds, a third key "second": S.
{"hour": 4, "minute": 52}
